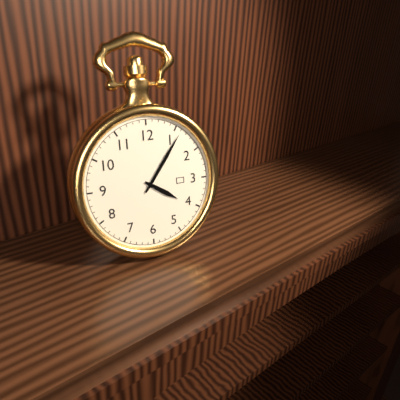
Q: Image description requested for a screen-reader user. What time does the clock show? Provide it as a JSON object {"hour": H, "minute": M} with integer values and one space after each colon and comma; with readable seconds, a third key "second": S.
{"hour": 4, "minute": 6}
